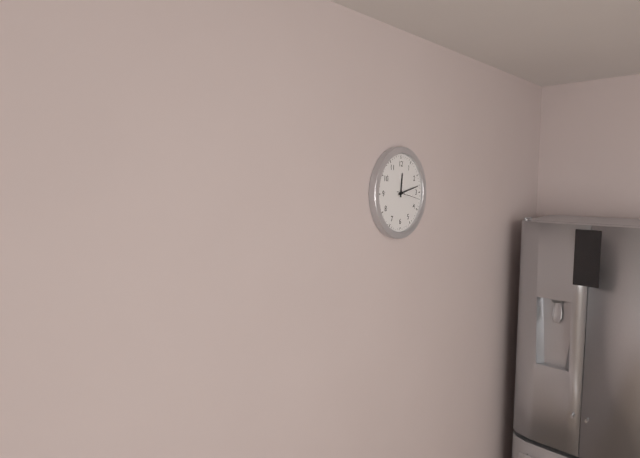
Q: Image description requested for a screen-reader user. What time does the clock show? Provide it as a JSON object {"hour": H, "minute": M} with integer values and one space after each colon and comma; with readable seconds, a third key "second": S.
{"hour": 12, "minute": 13}
